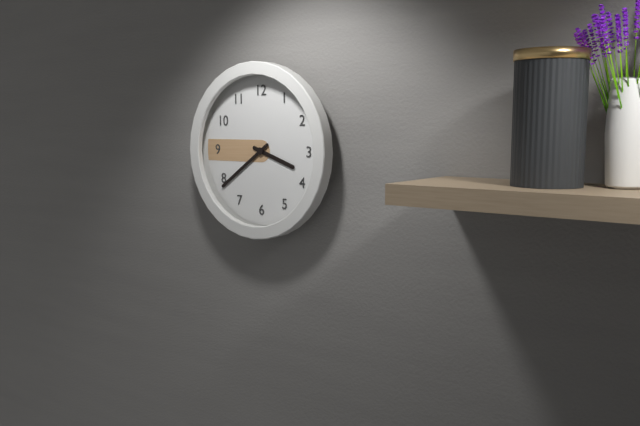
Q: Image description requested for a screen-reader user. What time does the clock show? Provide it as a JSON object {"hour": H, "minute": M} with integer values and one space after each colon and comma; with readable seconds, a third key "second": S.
{"hour": 3, "minute": 39}
